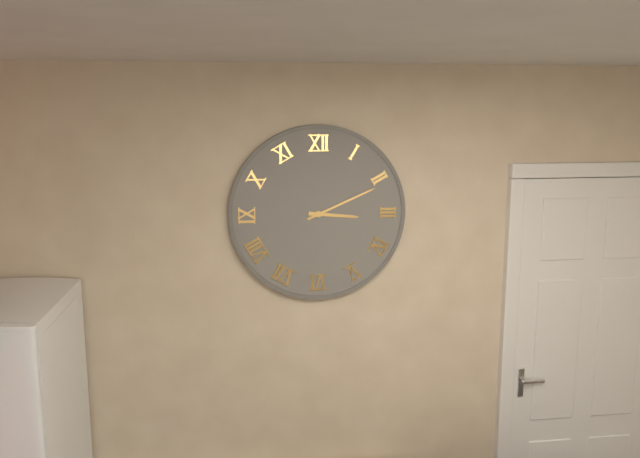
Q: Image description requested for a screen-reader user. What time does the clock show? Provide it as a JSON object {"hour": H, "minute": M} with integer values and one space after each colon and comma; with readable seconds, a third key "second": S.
{"hour": 3, "minute": 11}
